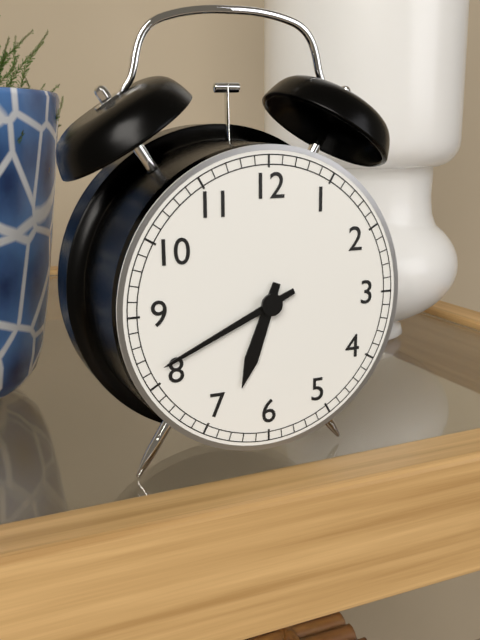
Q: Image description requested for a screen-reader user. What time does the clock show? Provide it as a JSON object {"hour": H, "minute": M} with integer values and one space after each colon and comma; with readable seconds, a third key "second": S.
{"hour": 6, "minute": 41}
